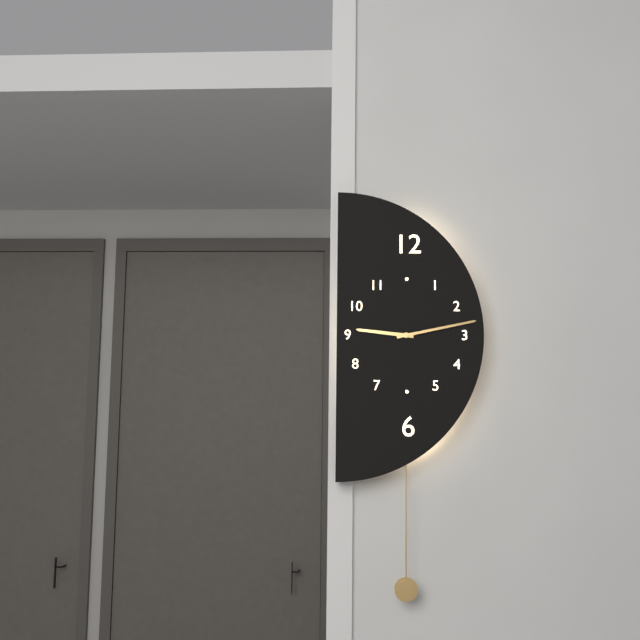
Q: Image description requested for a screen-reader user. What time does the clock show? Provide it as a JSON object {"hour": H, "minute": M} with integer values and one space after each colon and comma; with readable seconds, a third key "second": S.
{"hour": 9, "minute": 13}
